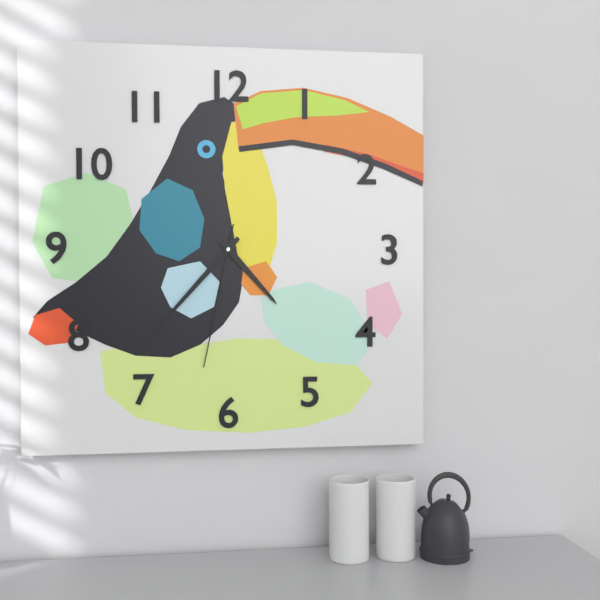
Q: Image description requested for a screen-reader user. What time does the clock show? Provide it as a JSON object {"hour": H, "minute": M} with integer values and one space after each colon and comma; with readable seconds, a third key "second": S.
{"hour": 4, "minute": 37, "second": 32}
